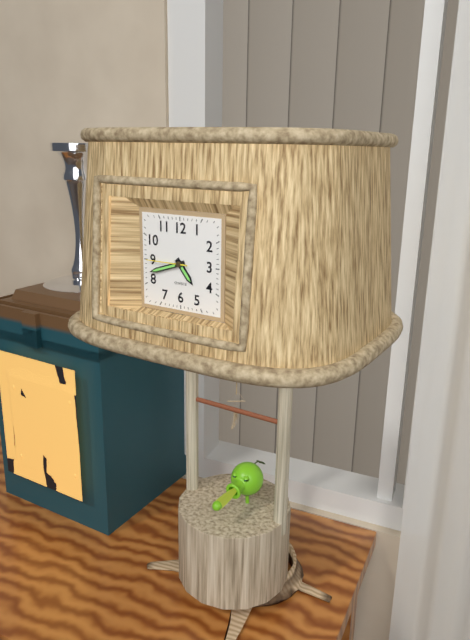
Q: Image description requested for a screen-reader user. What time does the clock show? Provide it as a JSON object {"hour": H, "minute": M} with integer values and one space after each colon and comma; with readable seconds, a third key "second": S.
{"hour": 4, "minute": 42}
